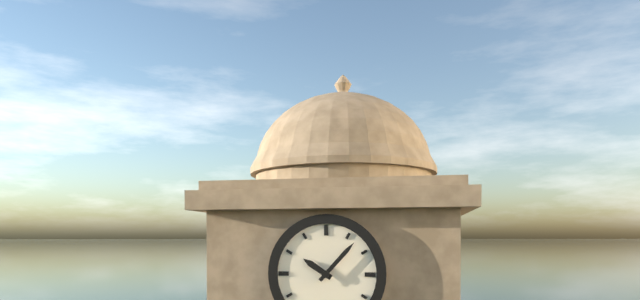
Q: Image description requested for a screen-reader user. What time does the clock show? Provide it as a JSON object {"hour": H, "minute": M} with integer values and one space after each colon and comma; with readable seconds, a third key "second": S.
{"hour": 10, "minute": 7}
